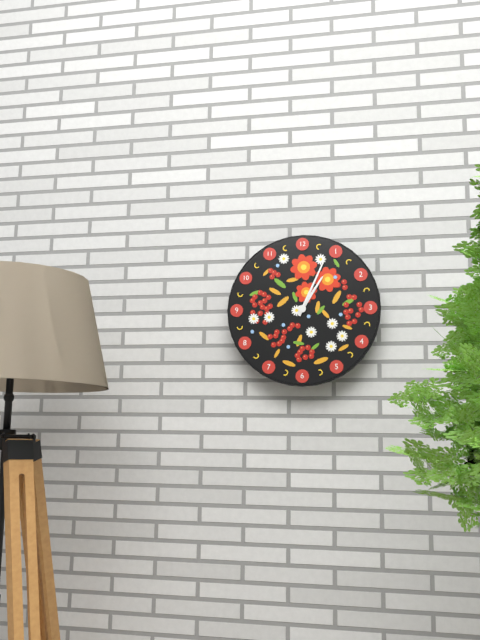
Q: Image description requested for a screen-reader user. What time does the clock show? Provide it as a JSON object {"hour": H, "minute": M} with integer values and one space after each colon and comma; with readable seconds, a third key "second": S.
{"hour": 1, "minute": 4}
